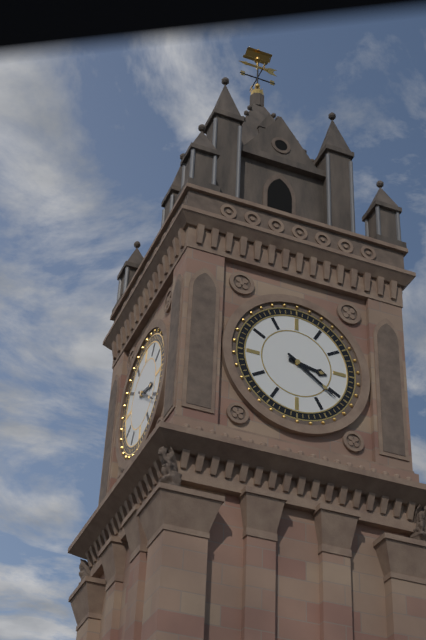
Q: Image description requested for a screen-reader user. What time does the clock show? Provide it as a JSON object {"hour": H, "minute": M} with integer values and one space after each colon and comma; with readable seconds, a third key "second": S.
{"hour": 3, "minute": 21}
